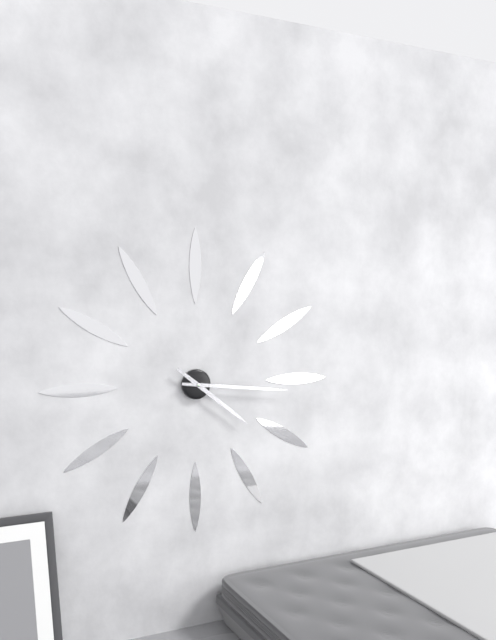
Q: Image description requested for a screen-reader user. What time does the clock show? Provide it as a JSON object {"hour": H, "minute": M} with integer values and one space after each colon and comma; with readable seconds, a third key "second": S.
{"hour": 4, "minute": 16}
